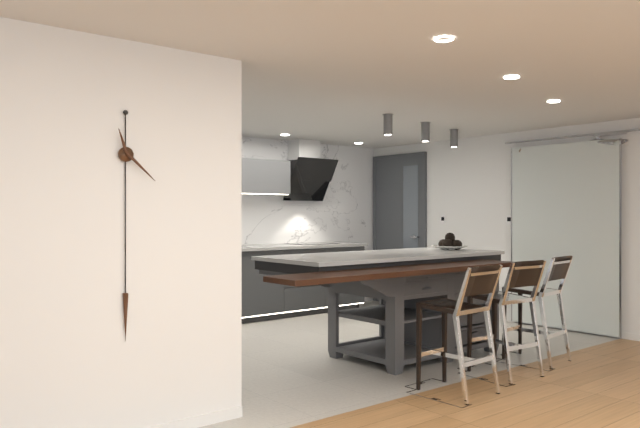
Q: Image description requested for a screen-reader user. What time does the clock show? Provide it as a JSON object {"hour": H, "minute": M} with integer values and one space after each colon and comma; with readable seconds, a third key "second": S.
{"hour": 11, "minute": 22}
